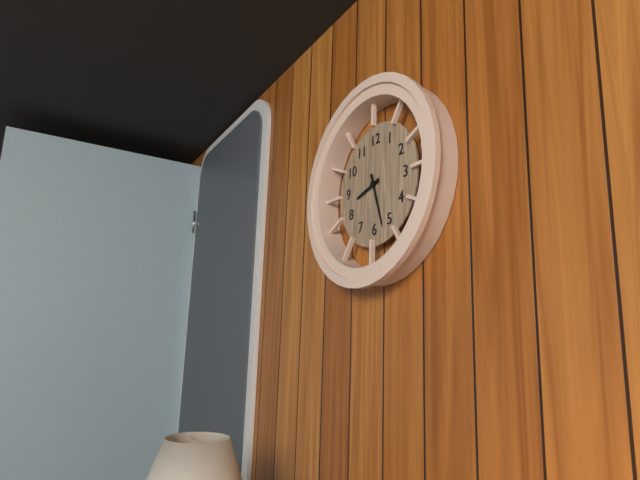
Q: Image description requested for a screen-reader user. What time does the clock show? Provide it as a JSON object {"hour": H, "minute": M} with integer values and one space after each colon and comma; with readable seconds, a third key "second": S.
{"hour": 8, "minute": 27}
